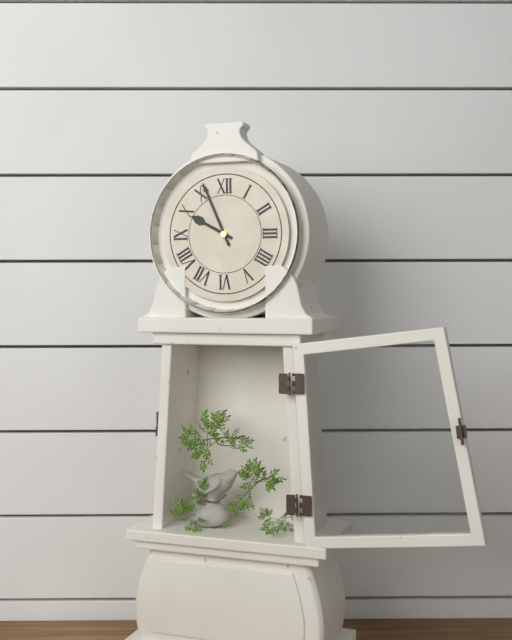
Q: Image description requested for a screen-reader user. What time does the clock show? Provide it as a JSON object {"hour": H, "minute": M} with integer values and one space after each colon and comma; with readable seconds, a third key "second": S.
{"hour": 9, "minute": 56}
